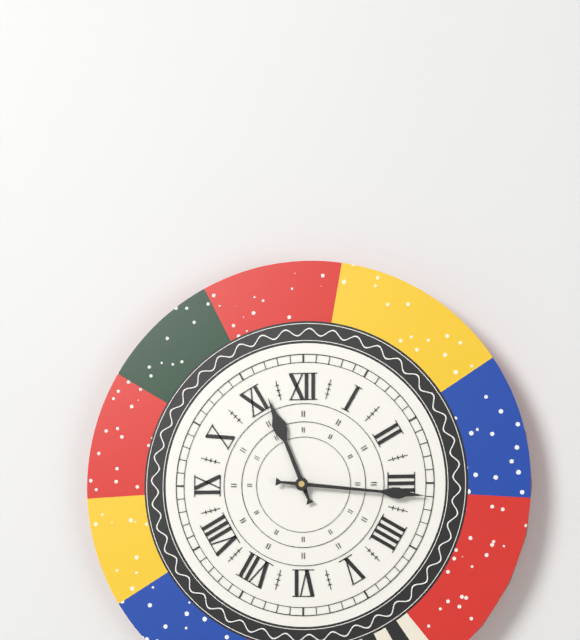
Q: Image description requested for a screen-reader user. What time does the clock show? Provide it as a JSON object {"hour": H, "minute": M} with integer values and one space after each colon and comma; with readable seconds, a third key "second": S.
{"hour": 11, "minute": 16}
